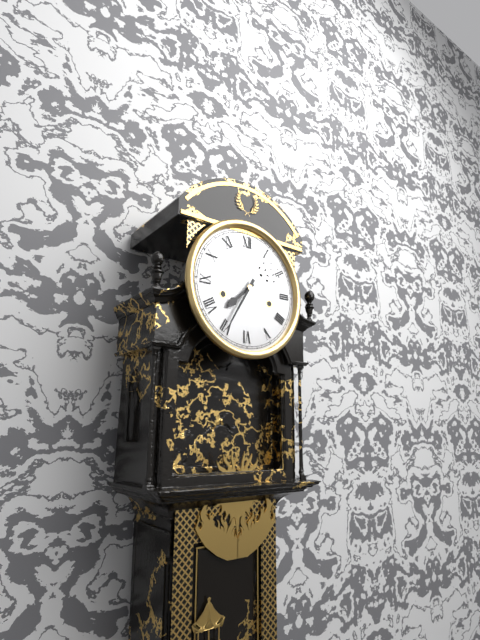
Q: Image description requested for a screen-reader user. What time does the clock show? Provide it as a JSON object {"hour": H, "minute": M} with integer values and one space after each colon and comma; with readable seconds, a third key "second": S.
{"hour": 7, "minute": 35}
